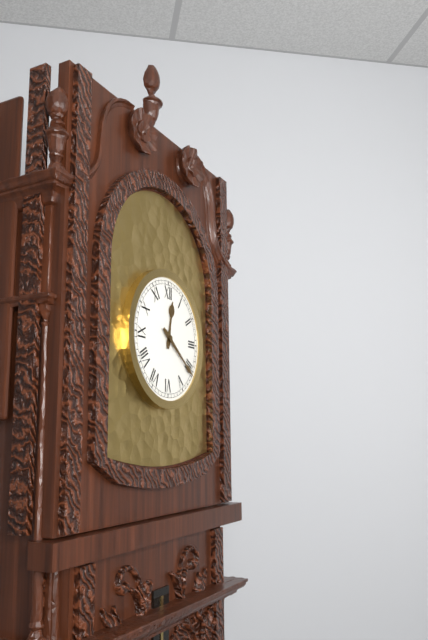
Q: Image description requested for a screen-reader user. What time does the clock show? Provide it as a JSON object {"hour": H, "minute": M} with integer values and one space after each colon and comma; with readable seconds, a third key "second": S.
{"hour": 12, "minute": 21}
